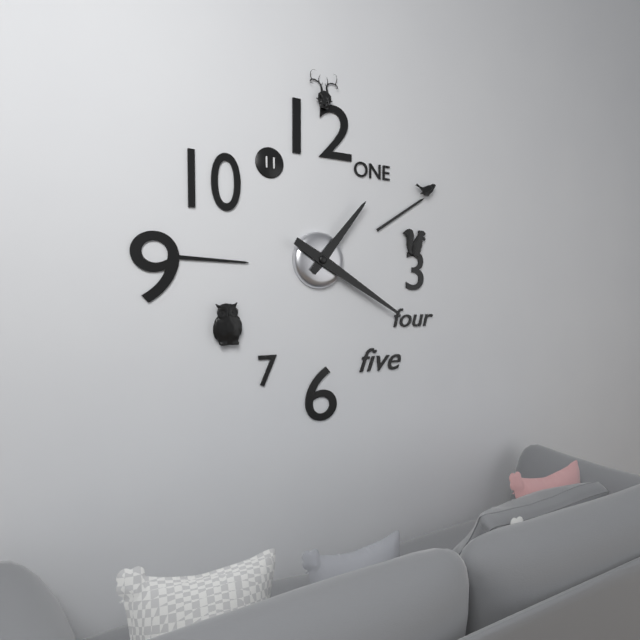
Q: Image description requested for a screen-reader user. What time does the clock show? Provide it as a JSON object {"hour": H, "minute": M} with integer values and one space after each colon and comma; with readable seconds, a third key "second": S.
{"hour": 1, "minute": 20}
